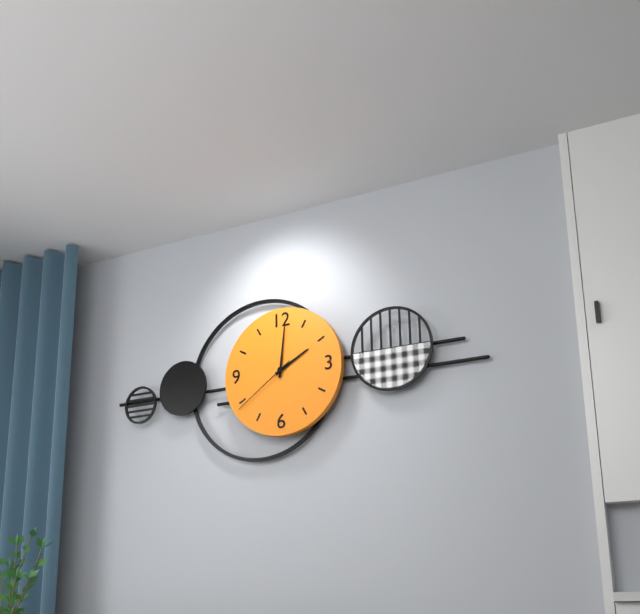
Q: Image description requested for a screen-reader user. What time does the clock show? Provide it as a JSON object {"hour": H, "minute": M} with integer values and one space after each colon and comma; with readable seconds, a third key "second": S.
{"hour": 2, "minute": 1, "second": 39}
